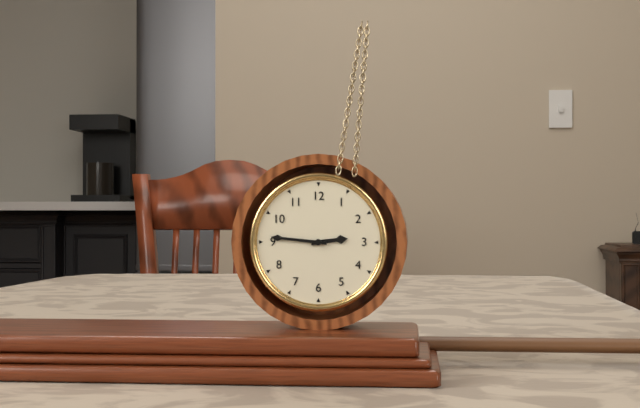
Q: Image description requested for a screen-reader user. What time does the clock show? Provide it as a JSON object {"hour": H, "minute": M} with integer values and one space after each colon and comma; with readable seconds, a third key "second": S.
{"hour": 2, "minute": 46}
